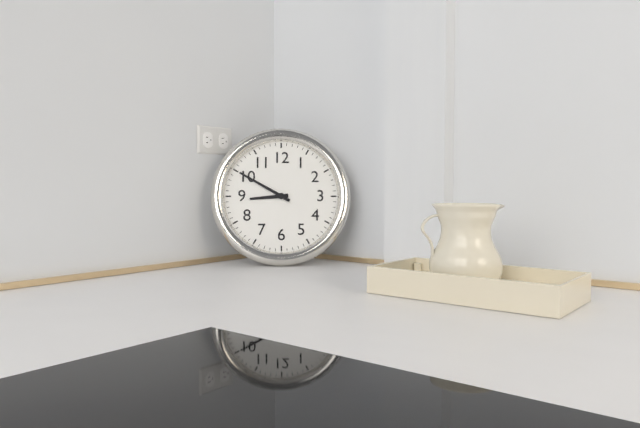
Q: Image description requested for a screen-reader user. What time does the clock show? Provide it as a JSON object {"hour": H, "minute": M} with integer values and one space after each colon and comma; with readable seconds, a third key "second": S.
{"hour": 8, "minute": 50}
